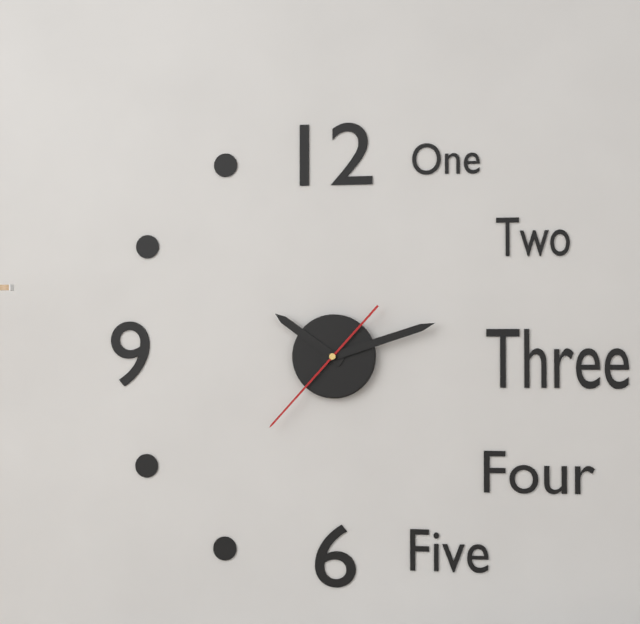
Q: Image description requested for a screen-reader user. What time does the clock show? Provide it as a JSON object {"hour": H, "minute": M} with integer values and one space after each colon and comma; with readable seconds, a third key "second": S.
{"hour": 10, "minute": 12, "second": 37}
